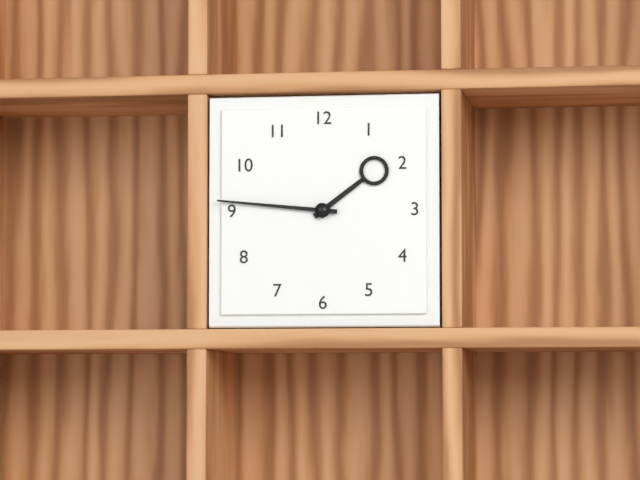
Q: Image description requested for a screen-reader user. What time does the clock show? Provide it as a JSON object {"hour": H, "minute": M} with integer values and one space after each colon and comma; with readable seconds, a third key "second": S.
{"hour": 1, "minute": 46}
